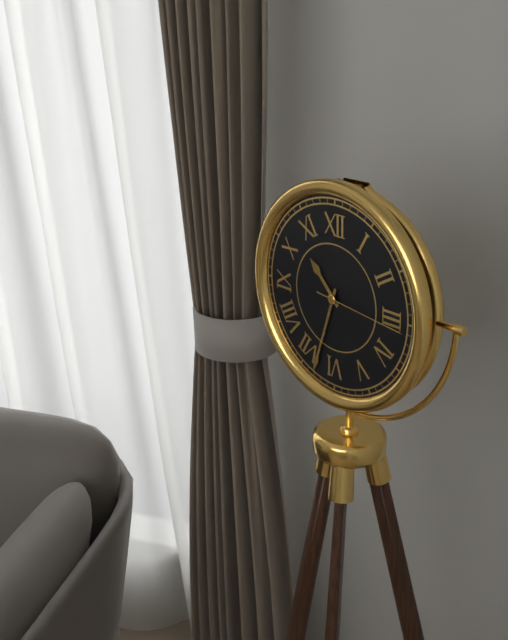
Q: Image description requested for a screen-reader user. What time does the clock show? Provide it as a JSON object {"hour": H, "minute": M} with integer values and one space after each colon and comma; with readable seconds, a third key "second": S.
{"hour": 10, "minute": 33, "second": 16}
